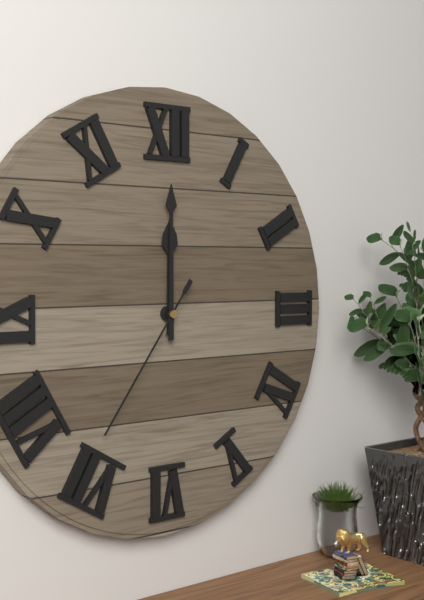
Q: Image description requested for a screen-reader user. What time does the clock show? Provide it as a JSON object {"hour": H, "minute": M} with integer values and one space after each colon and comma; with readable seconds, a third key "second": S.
{"hour": 12, "minute": 0, "second": 36}
